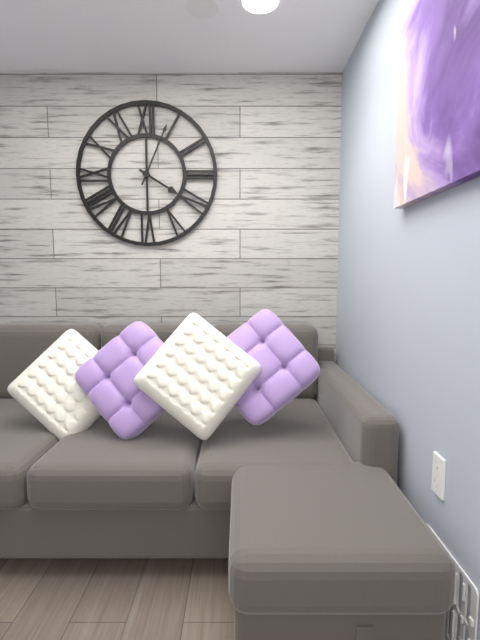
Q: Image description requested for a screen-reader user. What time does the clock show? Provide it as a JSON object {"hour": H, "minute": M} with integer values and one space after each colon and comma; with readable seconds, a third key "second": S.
{"hour": 4, "minute": 4}
